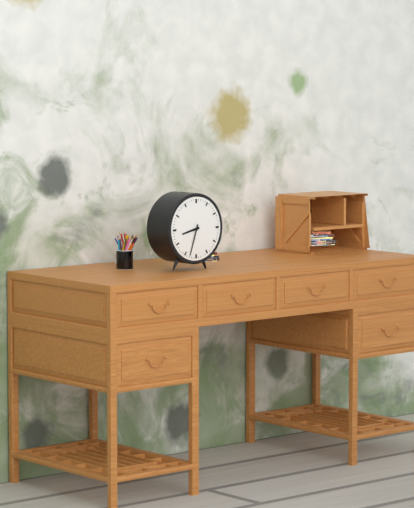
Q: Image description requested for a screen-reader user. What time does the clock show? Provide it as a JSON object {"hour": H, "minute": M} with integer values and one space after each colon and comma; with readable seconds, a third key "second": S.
{"hour": 8, "minute": 33}
